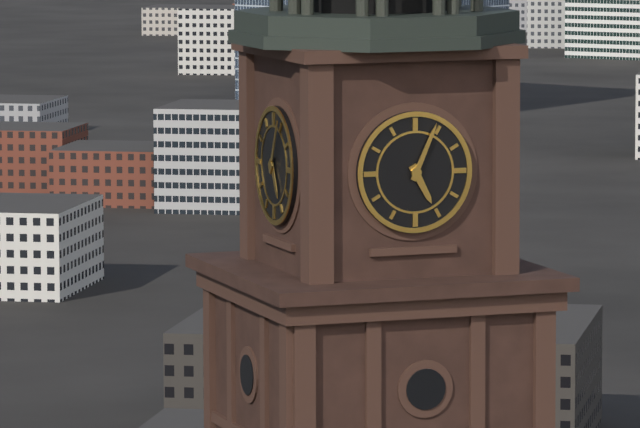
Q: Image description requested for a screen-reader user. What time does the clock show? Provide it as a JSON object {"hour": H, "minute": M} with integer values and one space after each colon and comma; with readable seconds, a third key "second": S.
{"hour": 5, "minute": 4}
